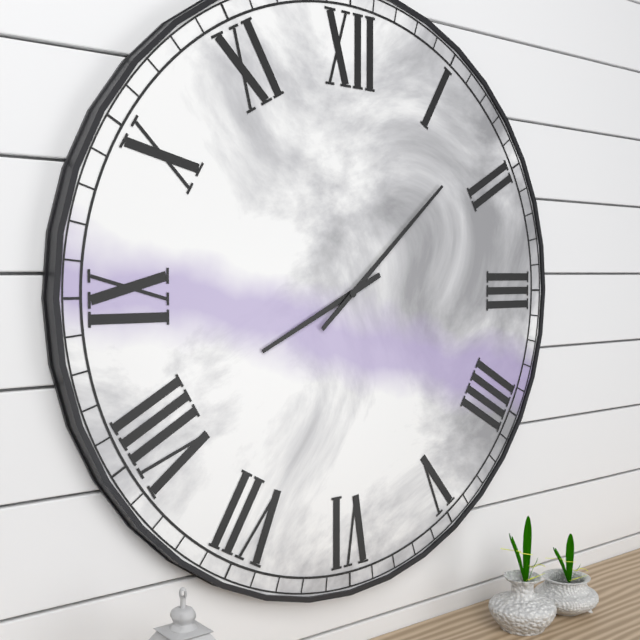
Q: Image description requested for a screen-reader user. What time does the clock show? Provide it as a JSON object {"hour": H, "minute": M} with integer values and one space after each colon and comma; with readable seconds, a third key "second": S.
{"hour": 8, "minute": 8}
